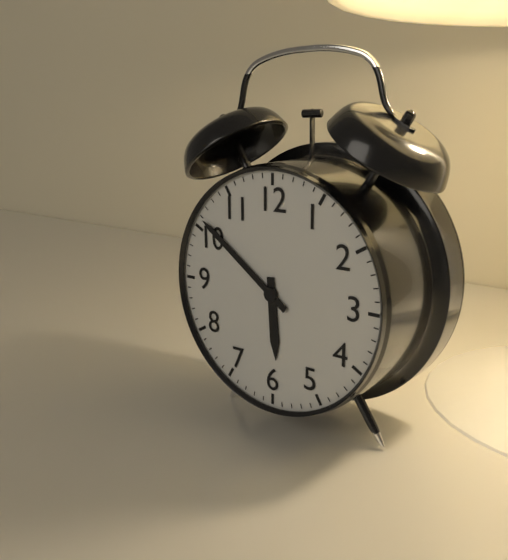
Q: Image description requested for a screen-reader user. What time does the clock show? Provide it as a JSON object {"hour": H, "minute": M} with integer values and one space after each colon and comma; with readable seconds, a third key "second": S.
{"hour": 5, "minute": 51}
